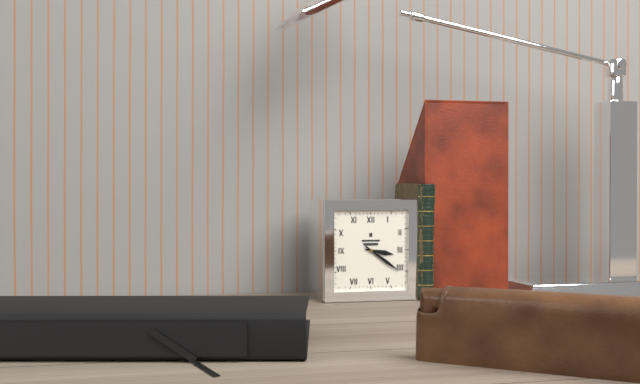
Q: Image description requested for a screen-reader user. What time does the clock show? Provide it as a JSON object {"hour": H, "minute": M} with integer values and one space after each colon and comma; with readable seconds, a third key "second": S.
{"hour": 3, "minute": 21}
